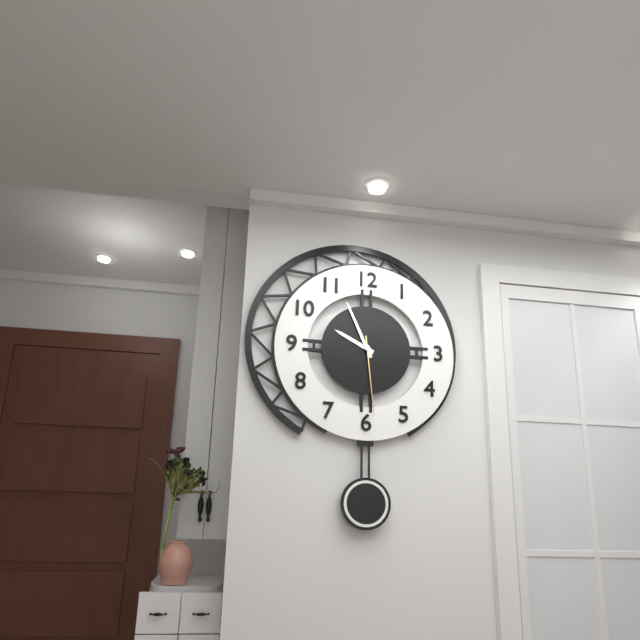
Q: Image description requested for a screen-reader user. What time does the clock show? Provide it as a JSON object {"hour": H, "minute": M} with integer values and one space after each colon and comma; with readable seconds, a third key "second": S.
{"hour": 9, "minute": 56, "second": 29}
